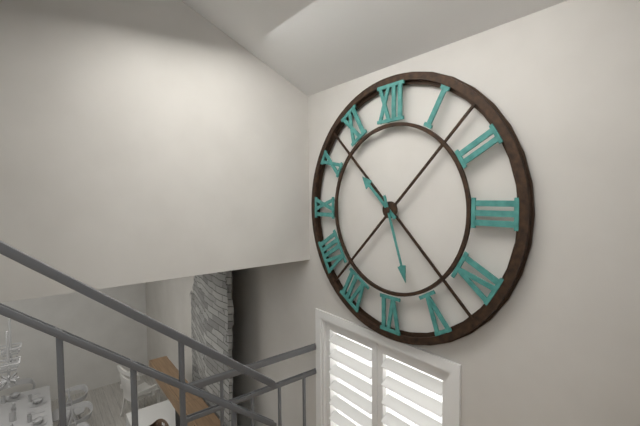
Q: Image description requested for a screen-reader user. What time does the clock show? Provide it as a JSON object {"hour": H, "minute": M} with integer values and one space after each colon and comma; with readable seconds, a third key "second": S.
{"hour": 10, "minute": 27}
